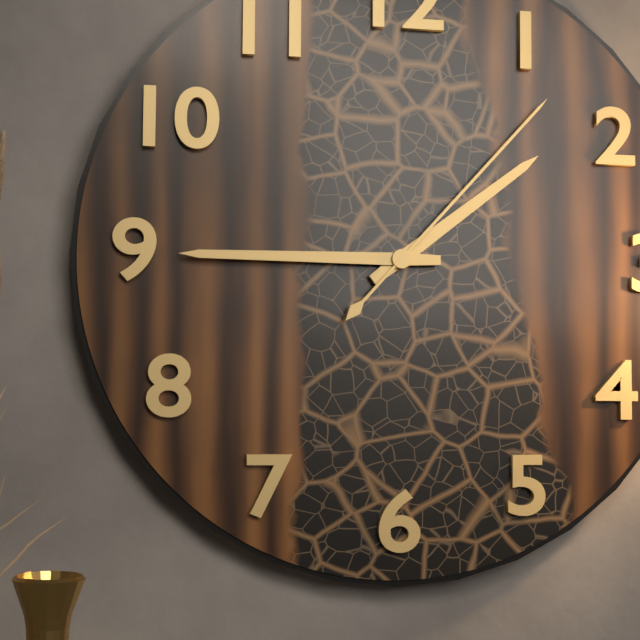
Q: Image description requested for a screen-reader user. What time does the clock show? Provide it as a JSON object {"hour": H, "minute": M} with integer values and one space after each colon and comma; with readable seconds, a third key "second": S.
{"hour": 1, "minute": 45, "second": 7}
